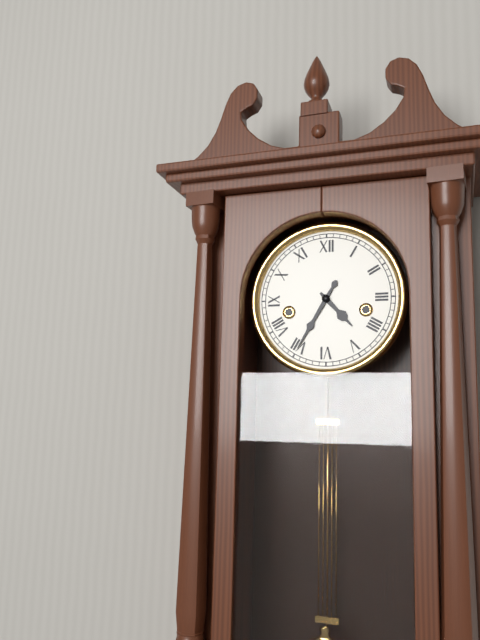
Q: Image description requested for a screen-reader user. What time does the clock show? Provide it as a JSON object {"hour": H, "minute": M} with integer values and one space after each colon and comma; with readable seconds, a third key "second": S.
{"hour": 4, "minute": 35}
